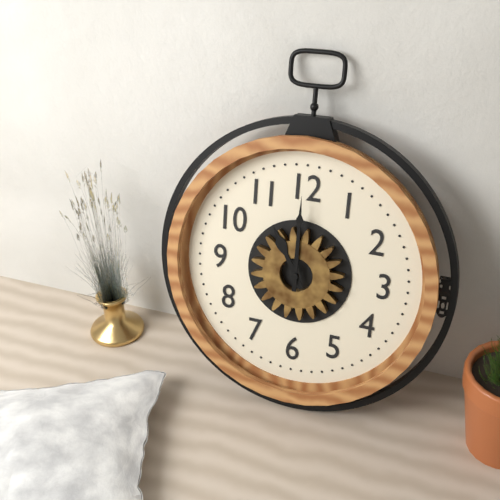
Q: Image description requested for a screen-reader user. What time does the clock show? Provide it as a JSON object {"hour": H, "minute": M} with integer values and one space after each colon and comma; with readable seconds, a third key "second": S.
{"hour": 11, "minute": 0}
